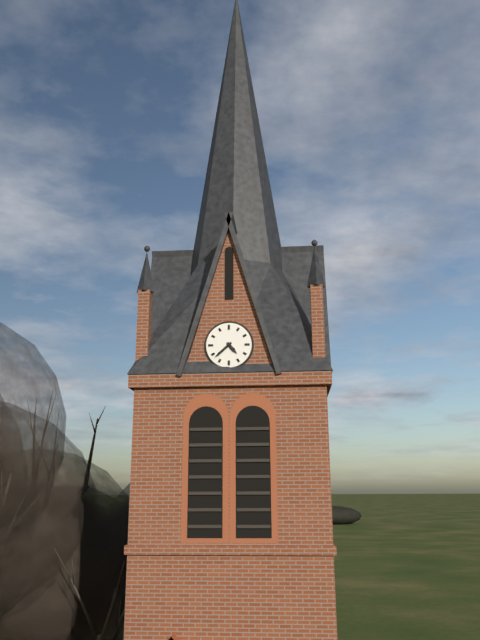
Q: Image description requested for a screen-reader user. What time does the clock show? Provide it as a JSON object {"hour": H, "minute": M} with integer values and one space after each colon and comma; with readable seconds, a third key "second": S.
{"hour": 4, "minute": 38}
